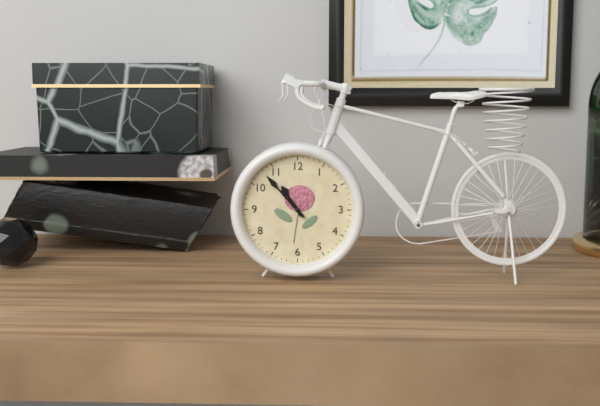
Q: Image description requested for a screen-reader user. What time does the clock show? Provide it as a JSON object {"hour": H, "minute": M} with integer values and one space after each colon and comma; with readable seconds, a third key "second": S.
{"hour": 10, "minute": 53}
